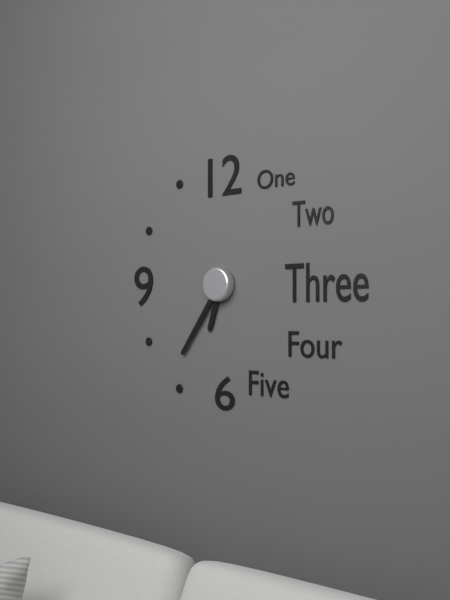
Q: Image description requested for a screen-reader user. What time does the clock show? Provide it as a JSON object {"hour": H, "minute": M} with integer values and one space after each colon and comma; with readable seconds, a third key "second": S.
{"hour": 6, "minute": 36}
